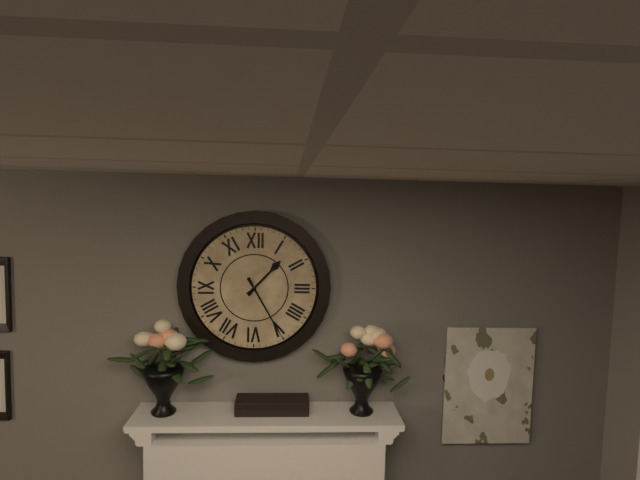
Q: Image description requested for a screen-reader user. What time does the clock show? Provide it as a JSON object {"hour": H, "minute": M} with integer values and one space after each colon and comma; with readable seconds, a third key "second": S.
{"hour": 1, "minute": 25}
